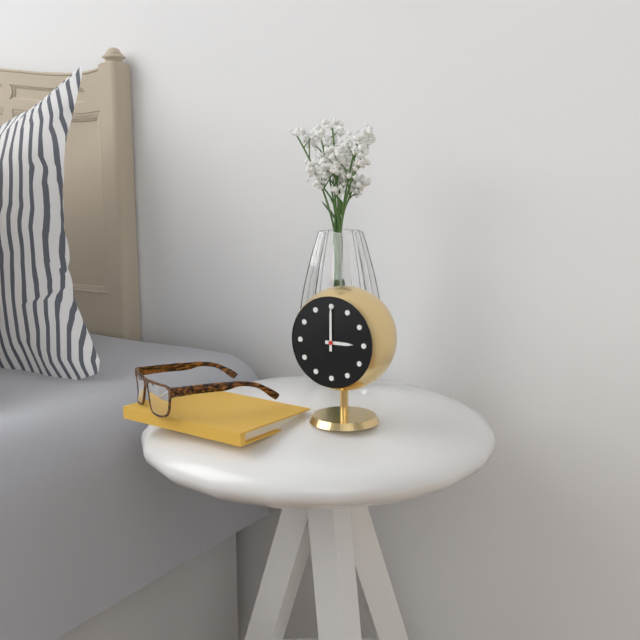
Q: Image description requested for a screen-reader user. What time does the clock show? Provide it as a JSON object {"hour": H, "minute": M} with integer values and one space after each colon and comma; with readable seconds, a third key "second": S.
{"hour": 3, "minute": 0}
